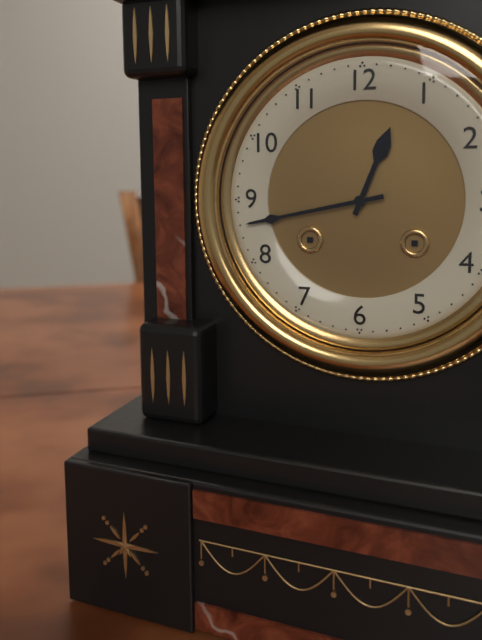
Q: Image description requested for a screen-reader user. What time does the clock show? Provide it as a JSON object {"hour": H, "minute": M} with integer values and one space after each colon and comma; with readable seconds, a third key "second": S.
{"hour": 12, "minute": 43}
